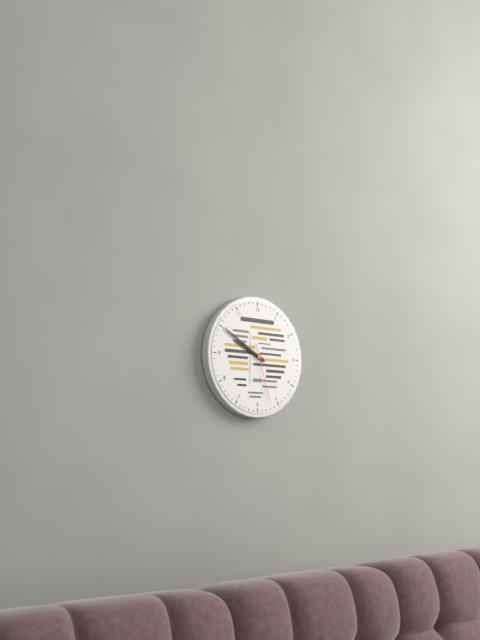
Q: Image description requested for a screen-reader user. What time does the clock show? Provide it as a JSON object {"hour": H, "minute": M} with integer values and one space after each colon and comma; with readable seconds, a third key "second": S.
{"hour": 9, "minute": 50, "second": 27}
